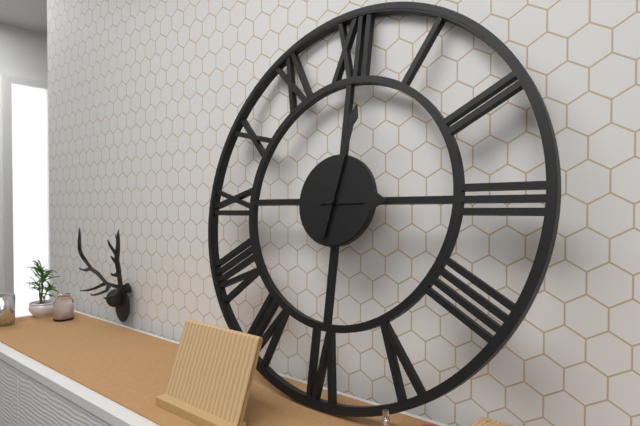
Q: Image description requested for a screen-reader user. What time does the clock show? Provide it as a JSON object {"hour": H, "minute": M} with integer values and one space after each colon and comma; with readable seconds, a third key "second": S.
{"hour": 3, "minute": 2}
